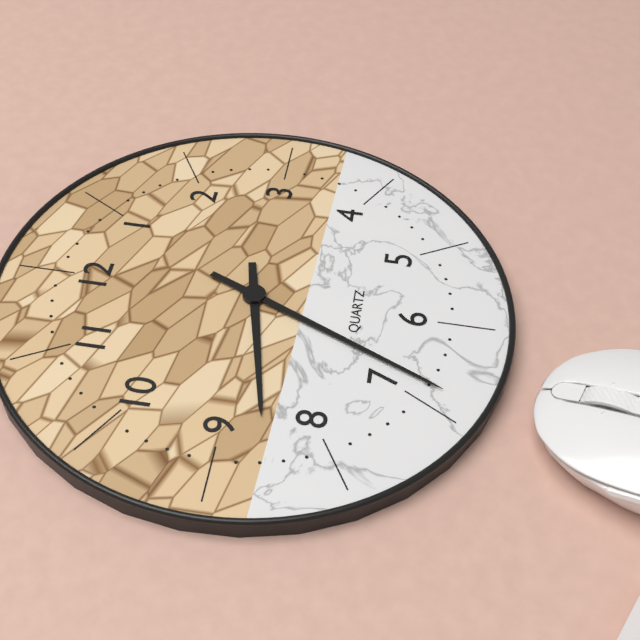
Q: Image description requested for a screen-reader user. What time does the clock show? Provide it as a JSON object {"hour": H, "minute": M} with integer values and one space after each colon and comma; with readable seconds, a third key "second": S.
{"hour": 8, "minute": 34}
